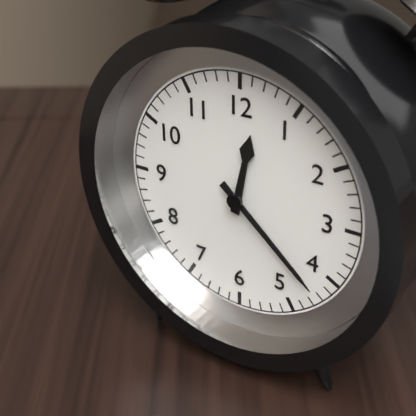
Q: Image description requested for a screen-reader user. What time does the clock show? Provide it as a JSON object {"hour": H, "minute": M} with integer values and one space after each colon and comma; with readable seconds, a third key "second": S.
{"hour": 12, "minute": 22}
